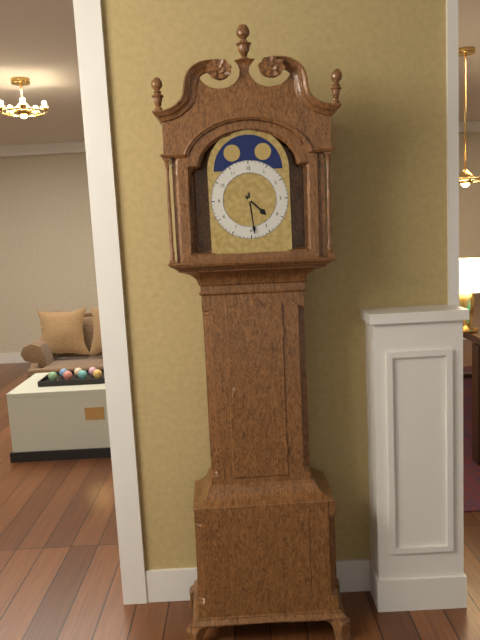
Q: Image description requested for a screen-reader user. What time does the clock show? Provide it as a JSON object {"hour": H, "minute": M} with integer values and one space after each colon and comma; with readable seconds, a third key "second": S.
{"hour": 4, "minute": 29}
